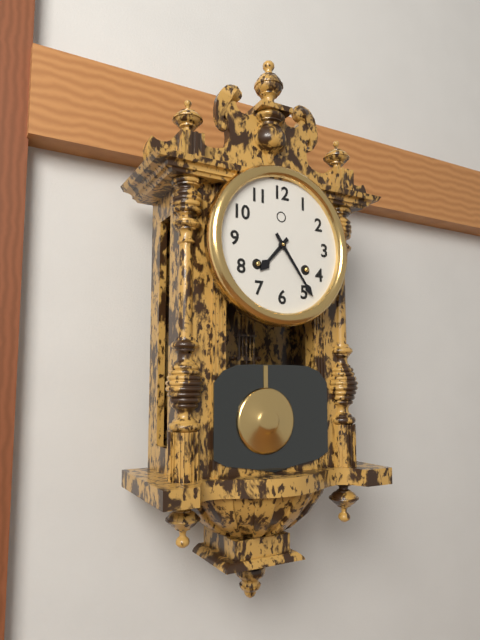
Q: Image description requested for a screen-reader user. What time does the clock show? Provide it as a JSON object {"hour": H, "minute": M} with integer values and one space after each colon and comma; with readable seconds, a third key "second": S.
{"hour": 7, "minute": 24}
